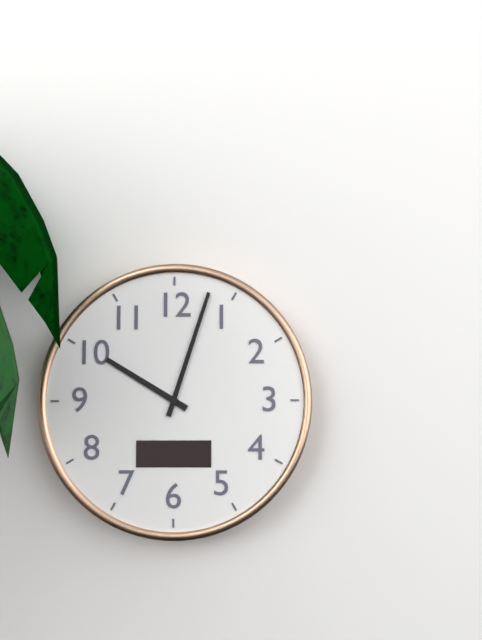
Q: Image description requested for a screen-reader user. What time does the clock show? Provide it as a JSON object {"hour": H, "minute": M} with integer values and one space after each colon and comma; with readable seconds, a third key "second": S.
{"hour": 10, "minute": 3}
